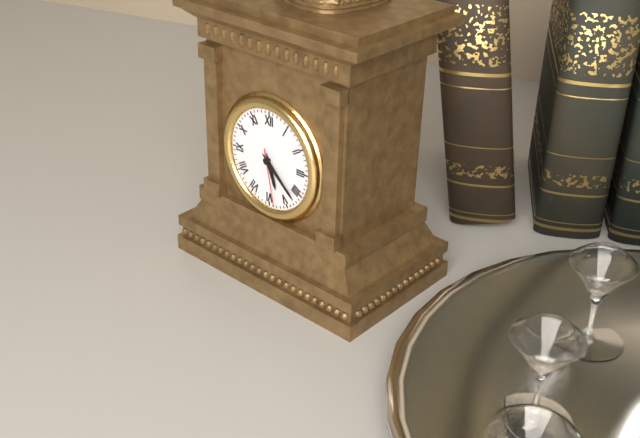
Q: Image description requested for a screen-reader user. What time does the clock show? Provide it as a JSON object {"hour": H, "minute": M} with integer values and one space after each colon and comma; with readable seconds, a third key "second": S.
{"hour": 5, "minute": 22, "second": 28}
